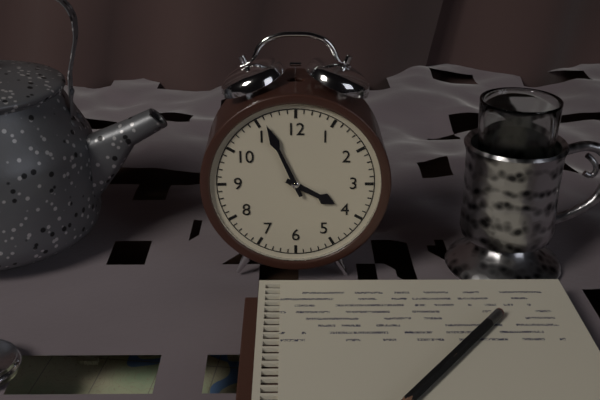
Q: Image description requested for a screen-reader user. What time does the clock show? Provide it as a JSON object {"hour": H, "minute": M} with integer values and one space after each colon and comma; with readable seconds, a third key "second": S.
{"hour": 3, "minute": 56}
